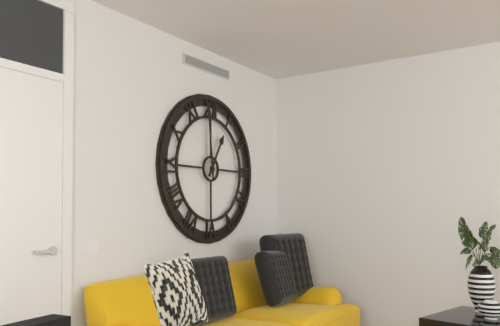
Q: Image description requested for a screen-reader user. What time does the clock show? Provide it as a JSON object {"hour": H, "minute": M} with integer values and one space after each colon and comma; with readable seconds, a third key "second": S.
{"hour": 12, "minute": 59}
